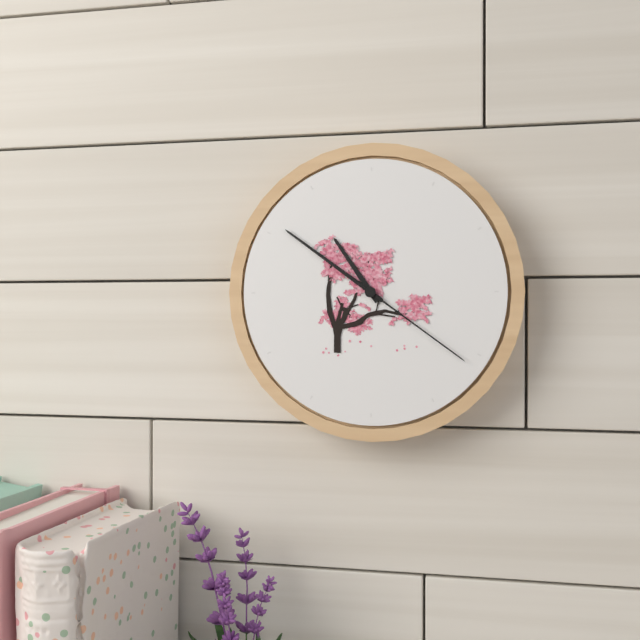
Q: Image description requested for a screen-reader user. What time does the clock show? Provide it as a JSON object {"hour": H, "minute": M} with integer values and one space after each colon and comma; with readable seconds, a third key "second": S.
{"hour": 10, "minute": 51, "second": 21}
